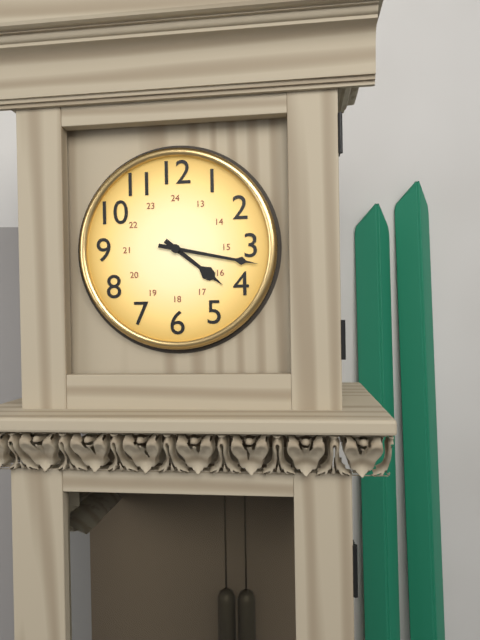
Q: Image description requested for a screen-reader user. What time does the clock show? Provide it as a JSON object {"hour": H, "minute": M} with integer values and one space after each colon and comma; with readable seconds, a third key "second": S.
{"hour": 4, "minute": 17}
